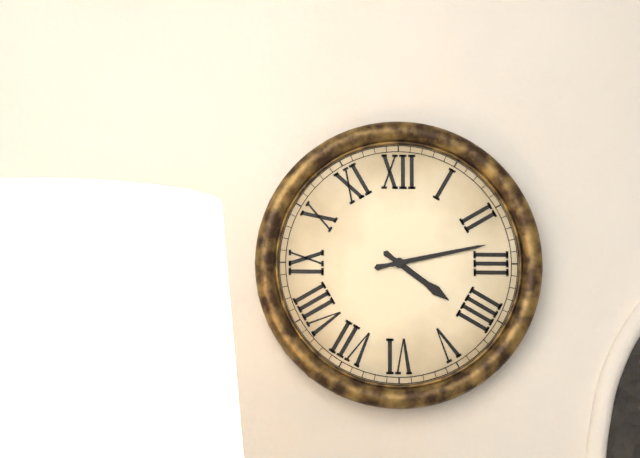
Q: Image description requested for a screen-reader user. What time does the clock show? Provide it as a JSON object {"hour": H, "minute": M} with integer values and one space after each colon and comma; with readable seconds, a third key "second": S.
{"hour": 4, "minute": 13}
